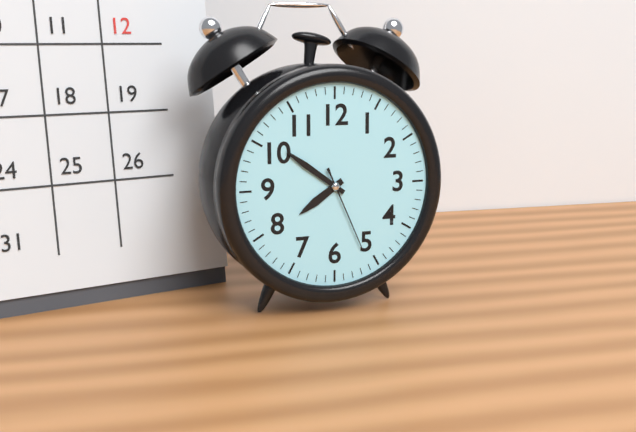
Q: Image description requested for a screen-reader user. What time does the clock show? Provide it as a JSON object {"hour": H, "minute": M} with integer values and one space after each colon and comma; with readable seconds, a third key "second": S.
{"hour": 7, "minute": 51, "second": 26}
